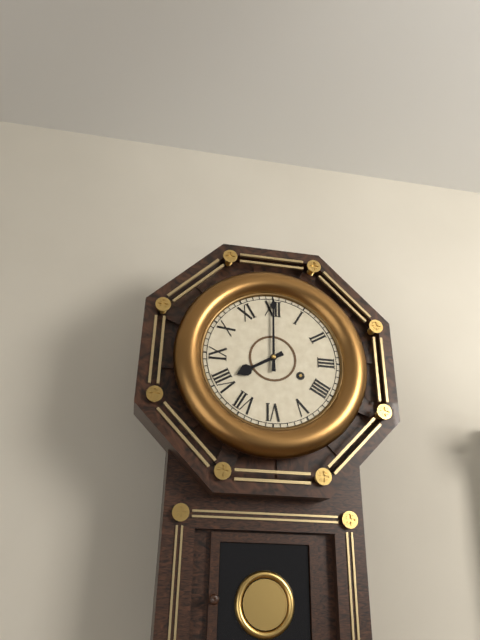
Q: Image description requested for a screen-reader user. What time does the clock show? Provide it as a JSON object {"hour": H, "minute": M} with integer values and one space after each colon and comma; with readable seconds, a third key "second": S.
{"hour": 8, "minute": 0}
